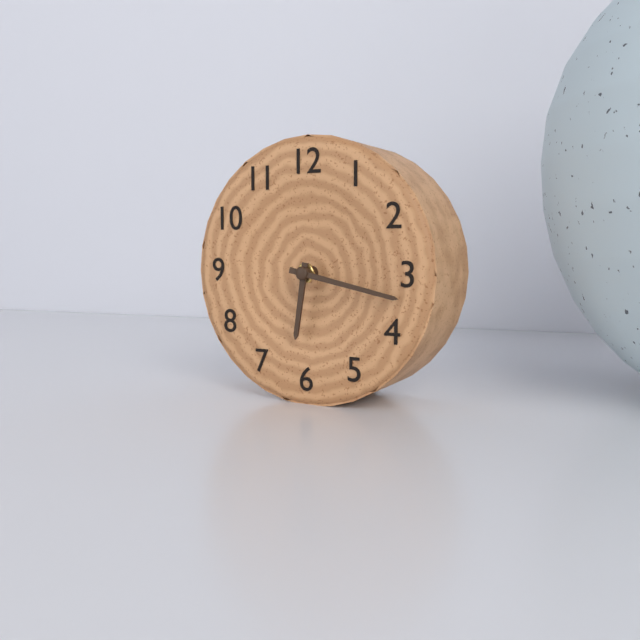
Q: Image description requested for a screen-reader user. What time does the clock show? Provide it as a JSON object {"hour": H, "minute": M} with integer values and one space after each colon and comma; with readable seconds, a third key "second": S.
{"hour": 6, "minute": 17}
